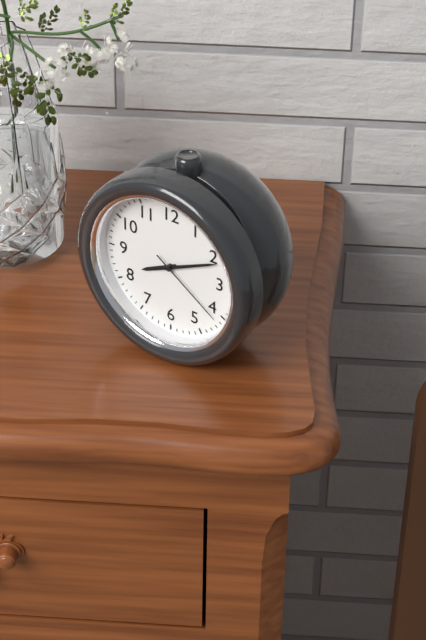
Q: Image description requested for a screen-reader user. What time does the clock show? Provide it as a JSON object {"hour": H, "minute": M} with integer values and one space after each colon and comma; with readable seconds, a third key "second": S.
{"hour": 8, "minute": 11, "second": 21}
